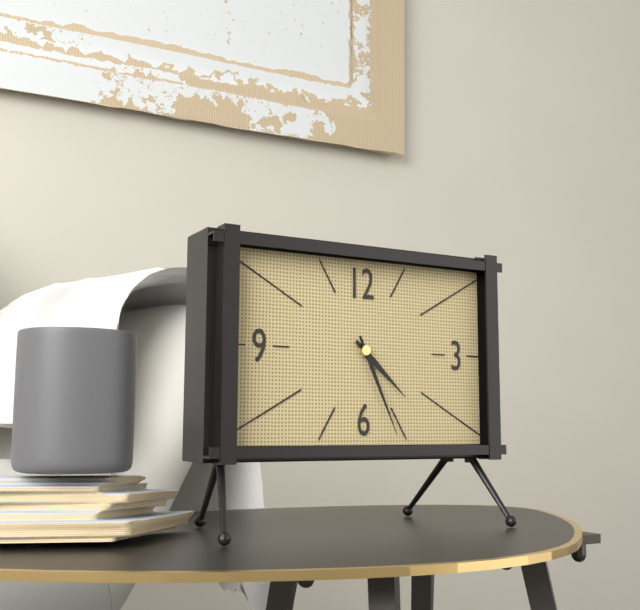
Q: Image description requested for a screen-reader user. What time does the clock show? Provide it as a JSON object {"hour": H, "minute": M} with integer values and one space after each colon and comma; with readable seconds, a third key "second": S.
{"hour": 4, "minute": 26}
